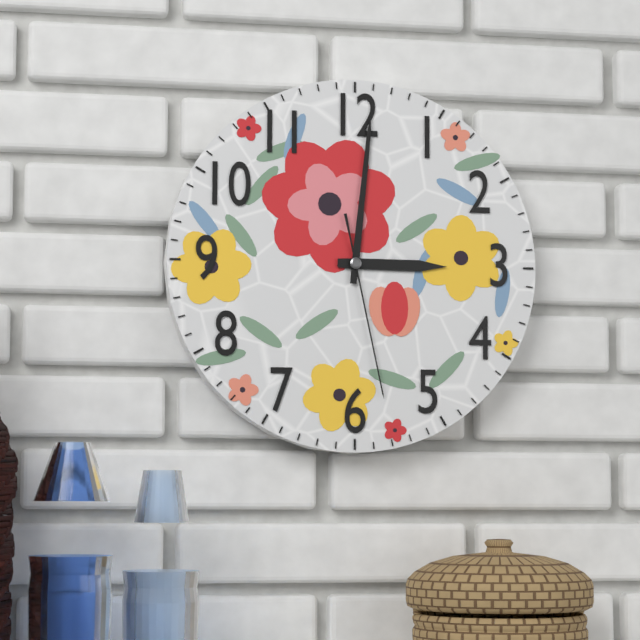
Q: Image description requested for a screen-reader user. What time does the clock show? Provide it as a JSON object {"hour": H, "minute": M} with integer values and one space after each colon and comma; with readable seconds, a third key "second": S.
{"hour": 3, "minute": 1, "second": 28}
